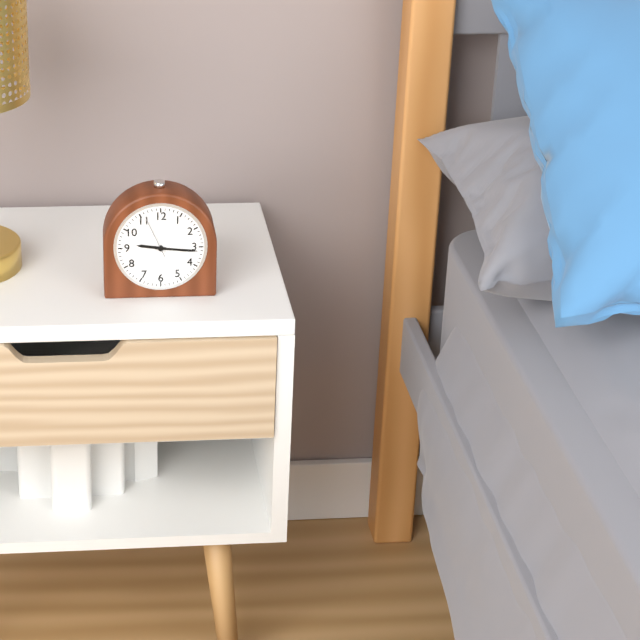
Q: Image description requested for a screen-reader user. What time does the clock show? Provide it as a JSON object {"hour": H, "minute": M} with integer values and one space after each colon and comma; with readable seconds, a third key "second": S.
{"hour": 9, "minute": 16}
